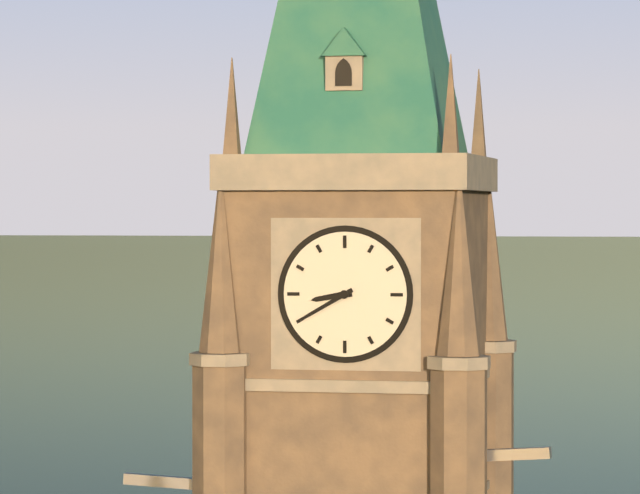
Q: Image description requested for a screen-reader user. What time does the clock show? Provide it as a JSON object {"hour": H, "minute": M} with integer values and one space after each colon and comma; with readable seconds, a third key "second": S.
{"hour": 8, "minute": 40}
